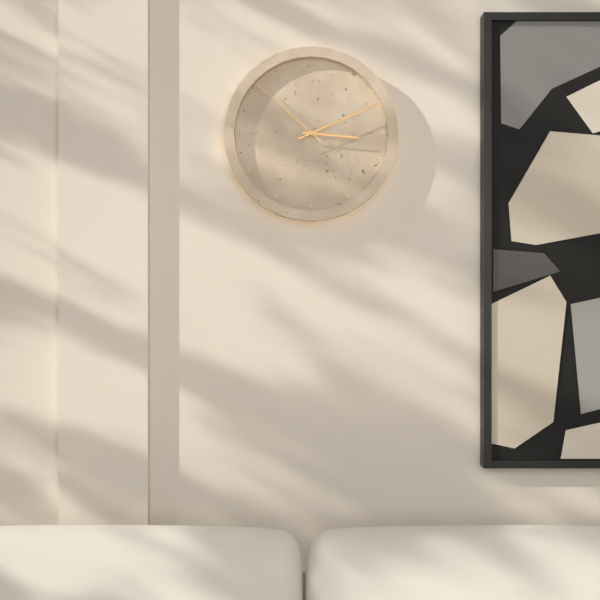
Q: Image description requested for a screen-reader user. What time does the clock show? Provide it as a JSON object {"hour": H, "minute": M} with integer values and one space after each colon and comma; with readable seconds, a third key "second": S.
{"hour": 3, "minute": 11, "second": 52}
